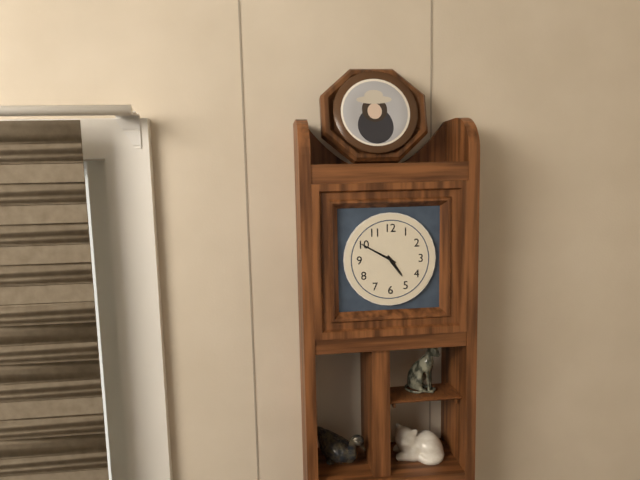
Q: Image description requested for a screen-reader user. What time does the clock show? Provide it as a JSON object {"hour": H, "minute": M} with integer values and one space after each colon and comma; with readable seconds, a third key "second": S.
{"hour": 4, "minute": 50}
